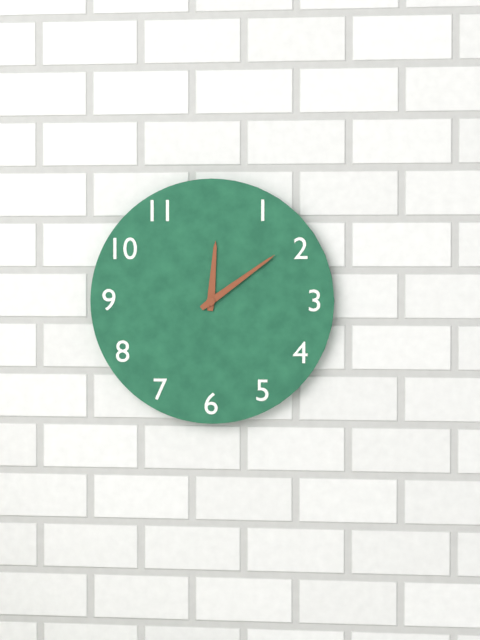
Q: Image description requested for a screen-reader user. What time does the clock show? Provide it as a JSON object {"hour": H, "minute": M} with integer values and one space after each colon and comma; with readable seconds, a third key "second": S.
{"hour": 12, "minute": 9}
